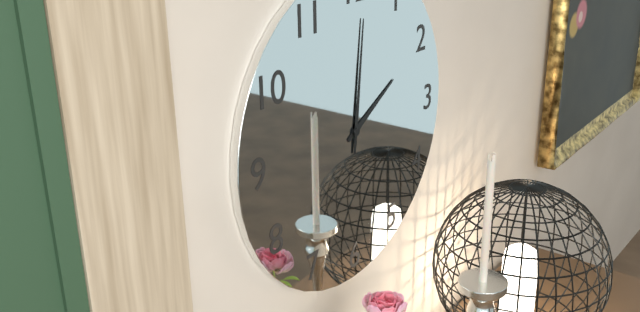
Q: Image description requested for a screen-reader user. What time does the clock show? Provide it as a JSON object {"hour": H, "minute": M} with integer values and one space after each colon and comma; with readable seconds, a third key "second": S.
{"hour": 2, "minute": 1}
